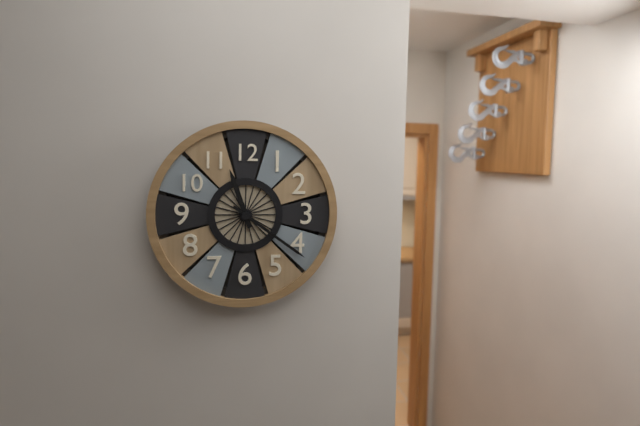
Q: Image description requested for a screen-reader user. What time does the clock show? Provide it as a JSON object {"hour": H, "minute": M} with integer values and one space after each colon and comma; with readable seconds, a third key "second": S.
{"hour": 11, "minute": 21}
